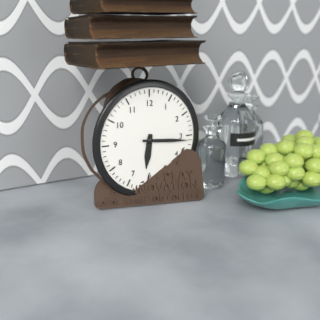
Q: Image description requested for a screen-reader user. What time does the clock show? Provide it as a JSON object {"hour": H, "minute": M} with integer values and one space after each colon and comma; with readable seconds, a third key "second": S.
{"hour": 6, "minute": 16}
